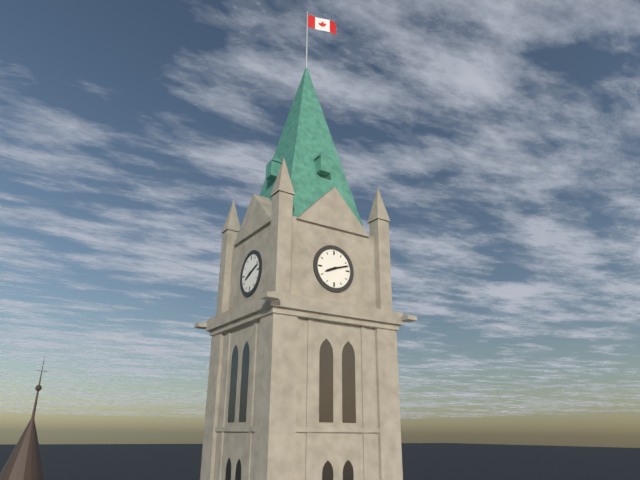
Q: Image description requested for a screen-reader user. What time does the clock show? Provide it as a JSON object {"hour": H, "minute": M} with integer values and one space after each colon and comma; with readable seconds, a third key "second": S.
{"hour": 8, "minute": 12}
